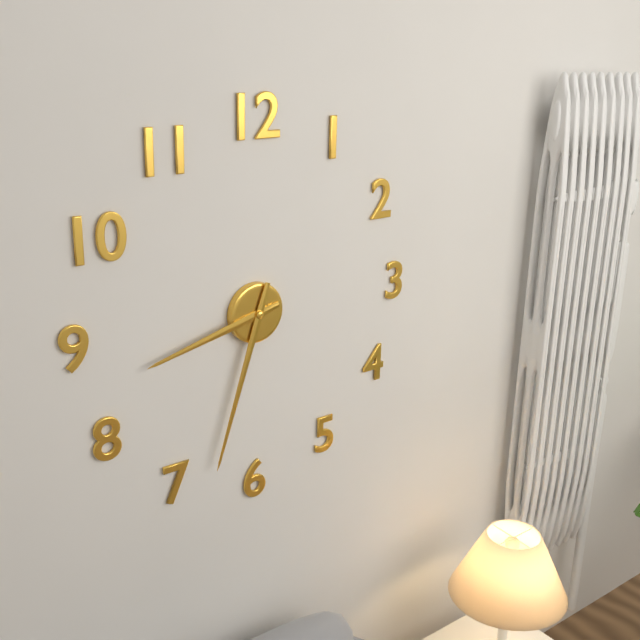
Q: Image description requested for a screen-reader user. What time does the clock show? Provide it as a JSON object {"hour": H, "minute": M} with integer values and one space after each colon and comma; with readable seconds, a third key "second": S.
{"hour": 8, "minute": 33}
